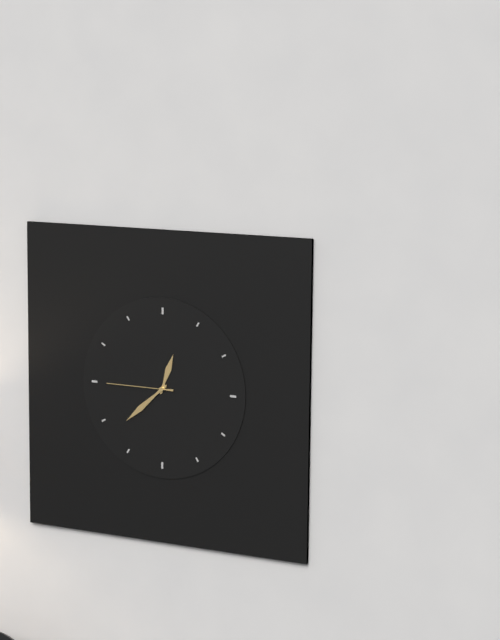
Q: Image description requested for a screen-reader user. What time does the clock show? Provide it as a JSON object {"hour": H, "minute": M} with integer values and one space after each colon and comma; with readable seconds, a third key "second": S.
{"hour": 12, "minute": 38, "second": 45}
